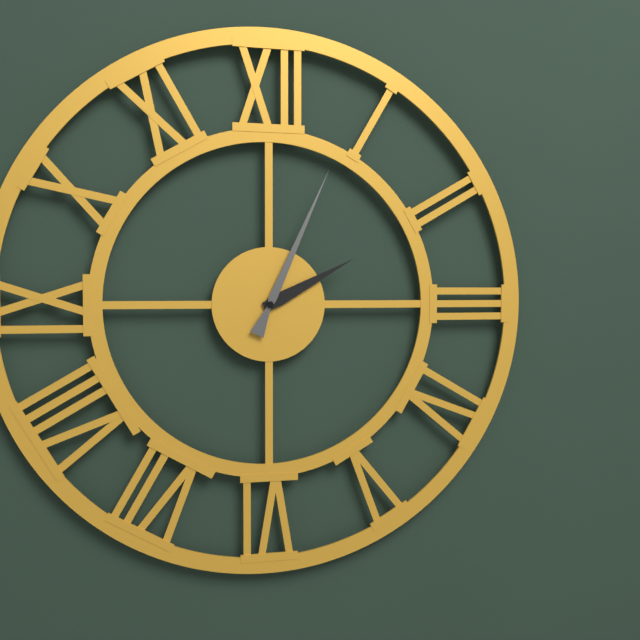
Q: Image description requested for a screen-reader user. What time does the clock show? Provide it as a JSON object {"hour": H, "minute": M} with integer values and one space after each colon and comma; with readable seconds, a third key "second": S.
{"hour": 2, "minute": 4}
